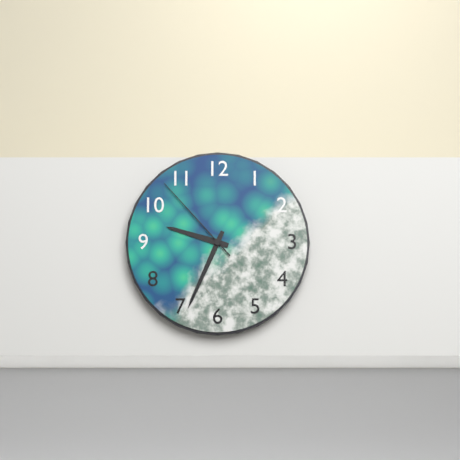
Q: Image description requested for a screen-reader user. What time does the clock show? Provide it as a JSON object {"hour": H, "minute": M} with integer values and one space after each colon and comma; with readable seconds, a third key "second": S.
{"hour": 9, "minute": 34, "second": 53}
